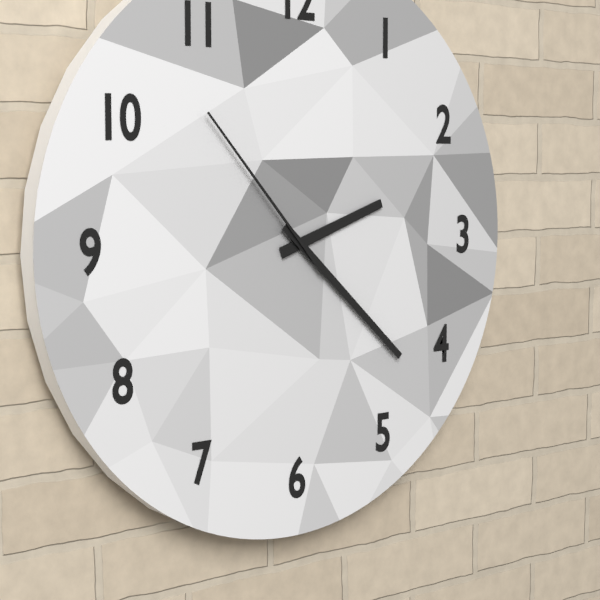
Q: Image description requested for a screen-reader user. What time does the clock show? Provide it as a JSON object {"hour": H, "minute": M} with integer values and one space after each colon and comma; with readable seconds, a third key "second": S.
{"hour": 2, "minute": 22, "second": 53}
